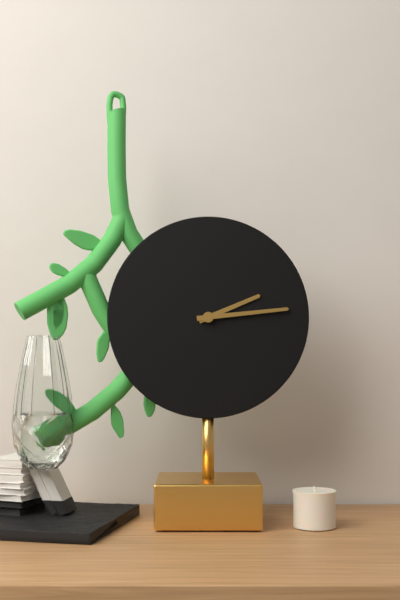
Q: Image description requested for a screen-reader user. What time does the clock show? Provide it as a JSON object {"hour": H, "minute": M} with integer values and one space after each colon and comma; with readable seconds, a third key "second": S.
{"hour": 2, "minute": 14}
